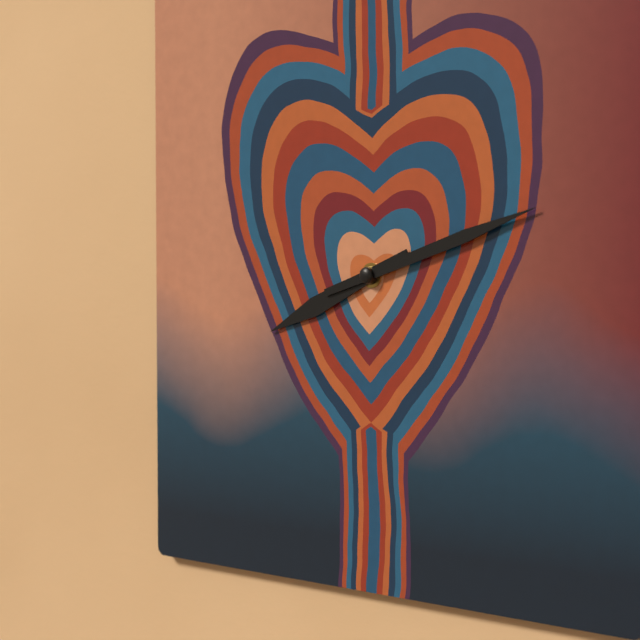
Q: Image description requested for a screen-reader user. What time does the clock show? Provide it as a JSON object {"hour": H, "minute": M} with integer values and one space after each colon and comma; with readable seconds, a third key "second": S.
{"hour": 8, "minute": 12}
